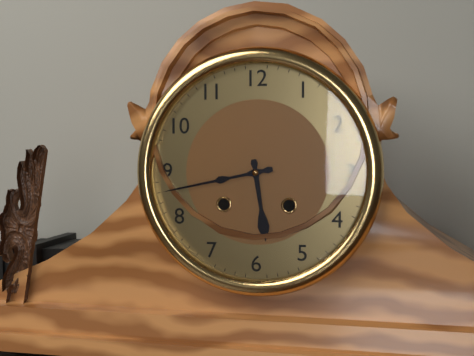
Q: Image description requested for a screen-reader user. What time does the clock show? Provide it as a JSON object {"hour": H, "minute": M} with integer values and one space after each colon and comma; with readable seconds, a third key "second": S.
{"hour": 5, "minute": 43}
